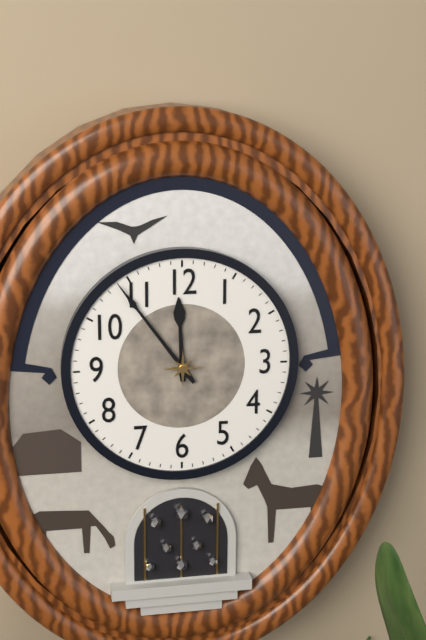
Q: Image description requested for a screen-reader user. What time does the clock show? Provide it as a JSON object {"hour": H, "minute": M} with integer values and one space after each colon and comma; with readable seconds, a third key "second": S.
{"hour": 11, "minute": 54}
